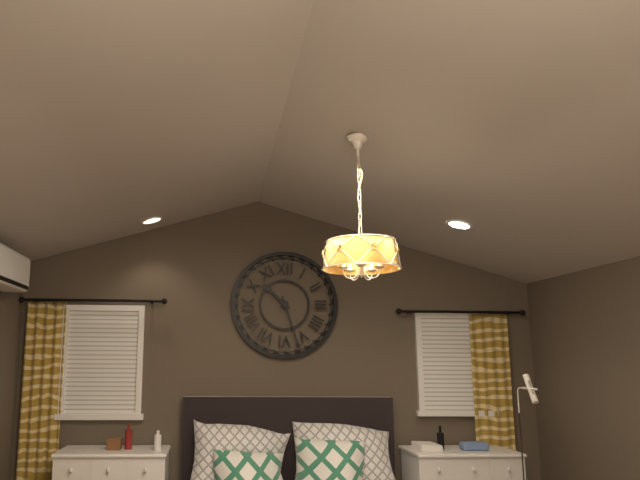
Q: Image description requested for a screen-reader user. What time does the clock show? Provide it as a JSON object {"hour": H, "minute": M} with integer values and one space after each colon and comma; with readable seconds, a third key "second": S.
{"hour": 10, "minute": 27}
